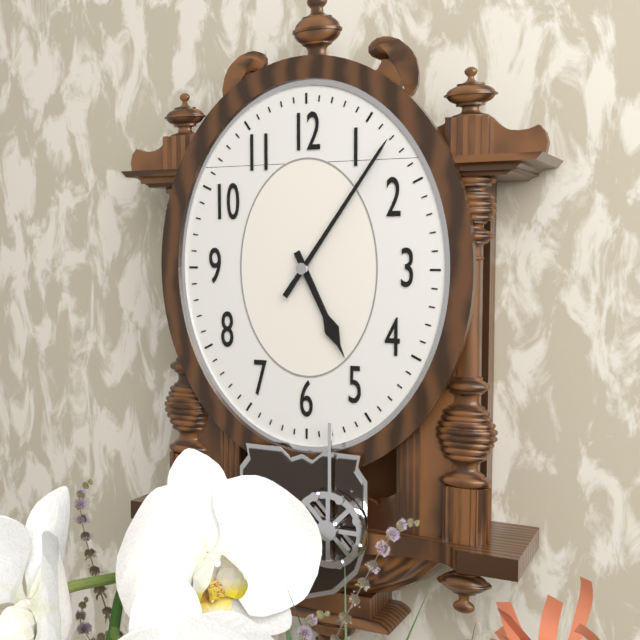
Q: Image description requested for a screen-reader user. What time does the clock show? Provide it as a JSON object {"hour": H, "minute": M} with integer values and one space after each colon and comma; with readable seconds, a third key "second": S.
{"hour": 5, "minute": 6}
